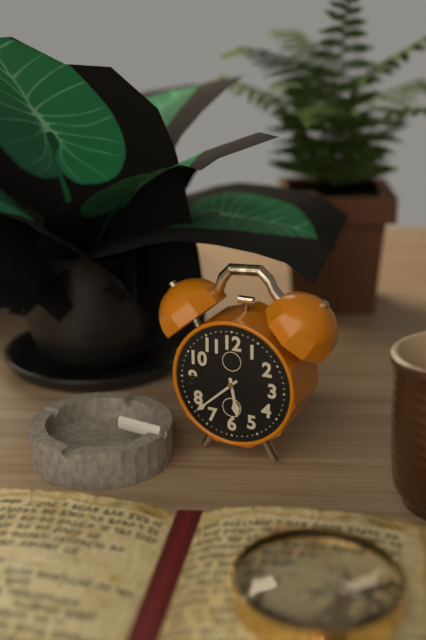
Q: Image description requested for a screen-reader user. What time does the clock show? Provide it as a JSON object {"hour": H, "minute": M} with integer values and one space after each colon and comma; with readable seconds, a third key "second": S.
{"hour": 5, "minute": 38}
